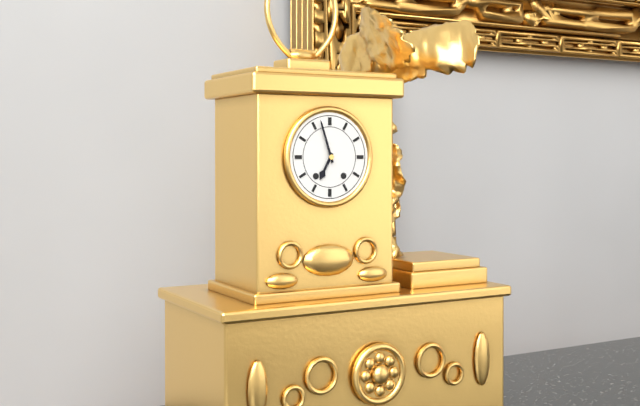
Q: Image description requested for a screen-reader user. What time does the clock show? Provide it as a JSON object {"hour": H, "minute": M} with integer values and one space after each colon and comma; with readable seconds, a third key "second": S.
{"hour": 6, "minute": 57}
